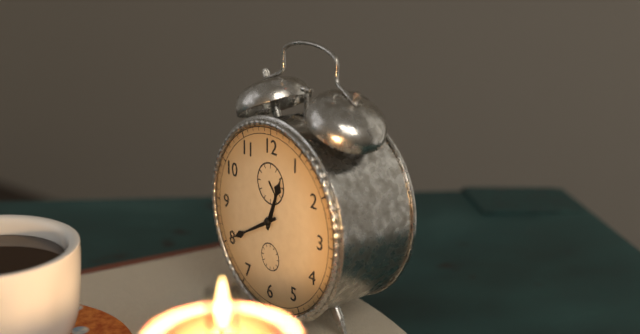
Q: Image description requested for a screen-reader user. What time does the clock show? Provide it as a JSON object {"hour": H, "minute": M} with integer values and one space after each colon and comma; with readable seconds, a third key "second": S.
{"hour": 12, "minute": 40}
